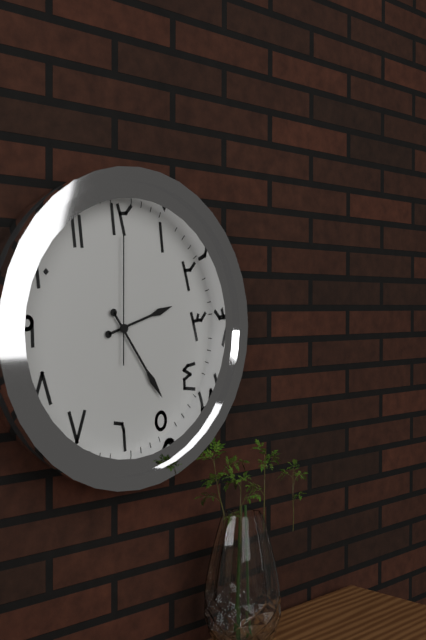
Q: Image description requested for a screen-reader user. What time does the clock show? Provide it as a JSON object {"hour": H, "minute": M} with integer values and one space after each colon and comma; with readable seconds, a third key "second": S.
{"hour": 2, "minute": 24, "second": 0}
